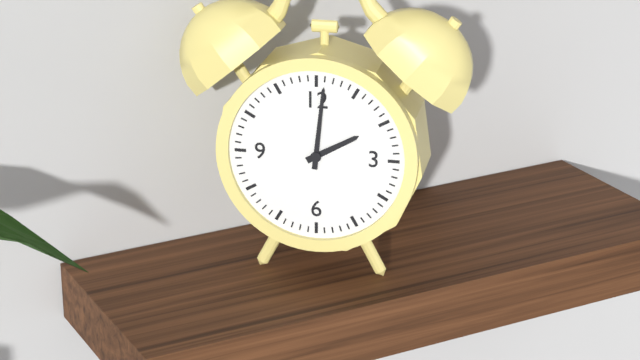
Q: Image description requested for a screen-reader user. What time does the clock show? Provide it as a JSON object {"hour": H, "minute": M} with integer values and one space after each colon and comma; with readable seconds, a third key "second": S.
{"hour": 2, "minute": 1}
